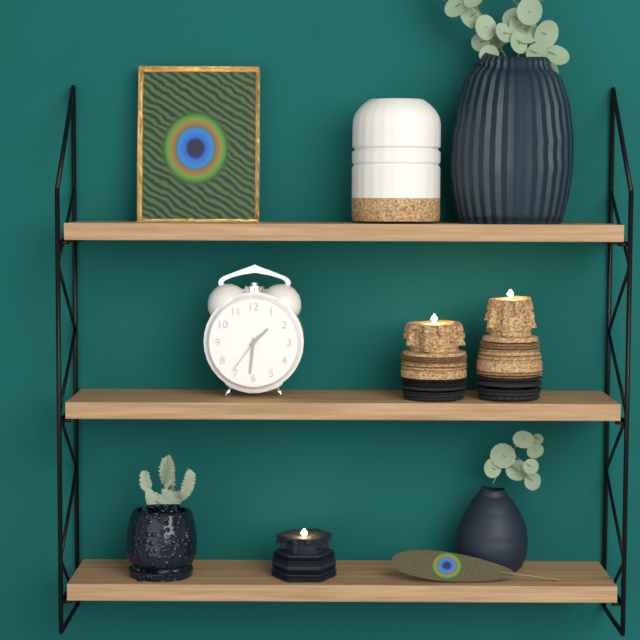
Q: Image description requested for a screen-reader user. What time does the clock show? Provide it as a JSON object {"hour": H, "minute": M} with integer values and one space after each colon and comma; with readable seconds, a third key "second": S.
{"hour": 1, "minute": 31}
